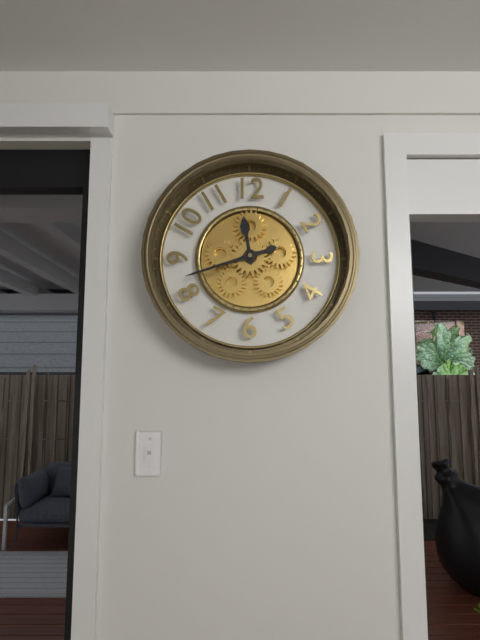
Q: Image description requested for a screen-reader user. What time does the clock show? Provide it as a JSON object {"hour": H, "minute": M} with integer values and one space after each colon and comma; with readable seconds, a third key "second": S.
{"hour": 11, "minute": 42}
